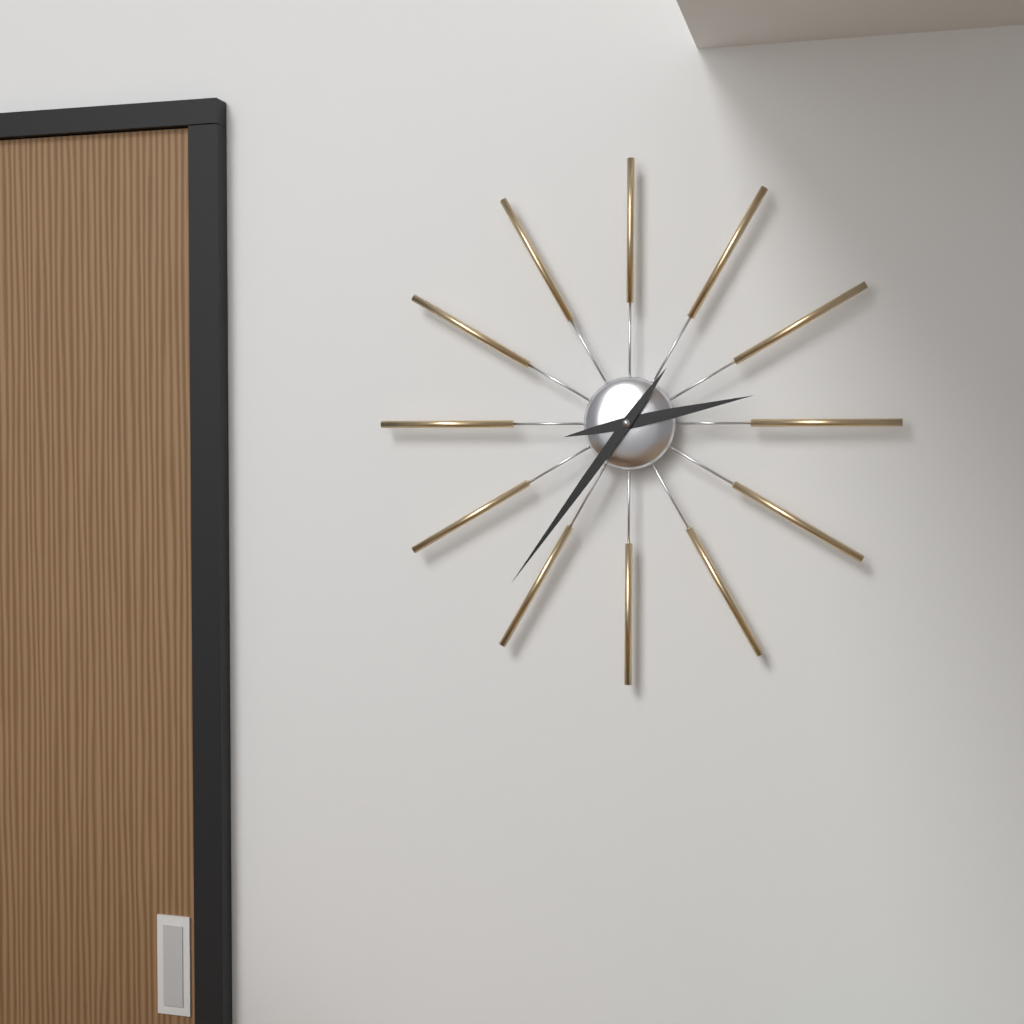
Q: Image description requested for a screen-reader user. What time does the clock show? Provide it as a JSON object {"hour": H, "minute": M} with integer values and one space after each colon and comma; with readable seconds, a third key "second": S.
{"hour": 2, "minute": 36}
